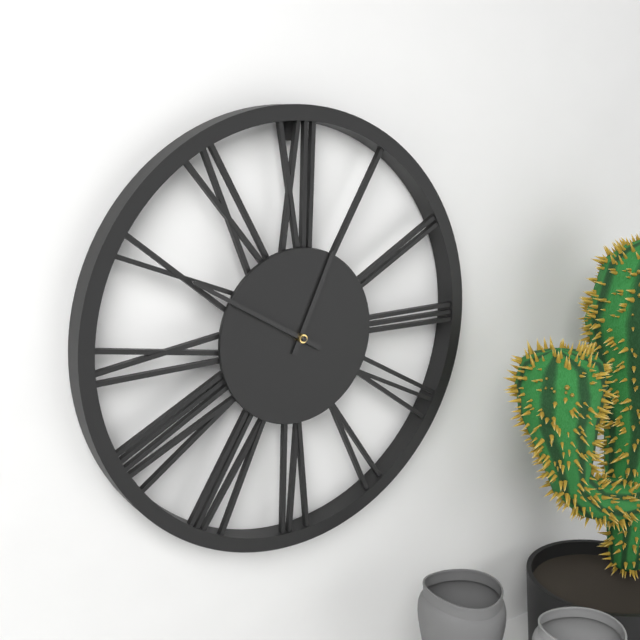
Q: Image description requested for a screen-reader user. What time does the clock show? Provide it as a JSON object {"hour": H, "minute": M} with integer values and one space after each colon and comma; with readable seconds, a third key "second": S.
{"hour": 12, "minute": 50}
